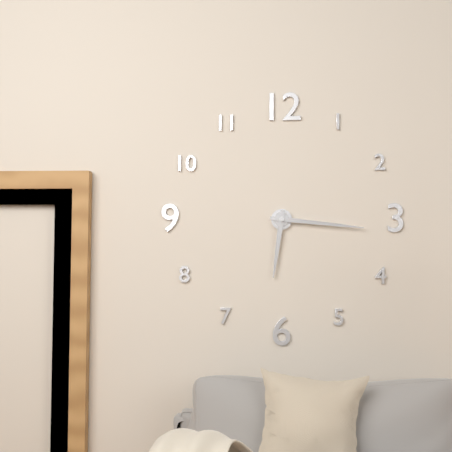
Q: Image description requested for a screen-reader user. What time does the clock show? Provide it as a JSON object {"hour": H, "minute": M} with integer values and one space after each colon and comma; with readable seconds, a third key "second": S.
{"hour": 6, "minute": 16}
